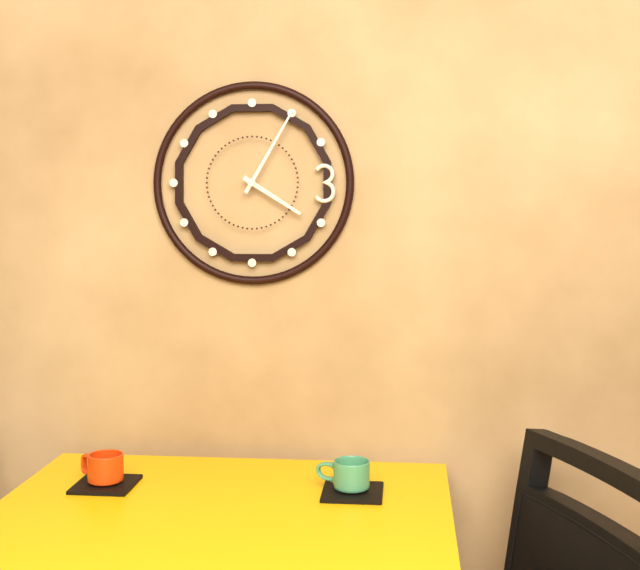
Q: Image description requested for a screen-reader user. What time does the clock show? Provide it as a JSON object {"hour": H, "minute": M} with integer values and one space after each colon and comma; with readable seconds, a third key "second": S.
{"hour": 4, "minute": 5}
